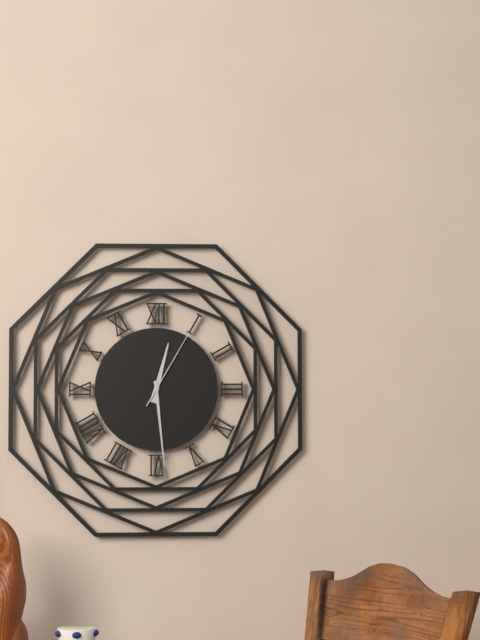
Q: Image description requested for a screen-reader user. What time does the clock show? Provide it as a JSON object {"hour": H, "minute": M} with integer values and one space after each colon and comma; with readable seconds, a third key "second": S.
{"hour": 12, "minute": 29, "second": 5}
